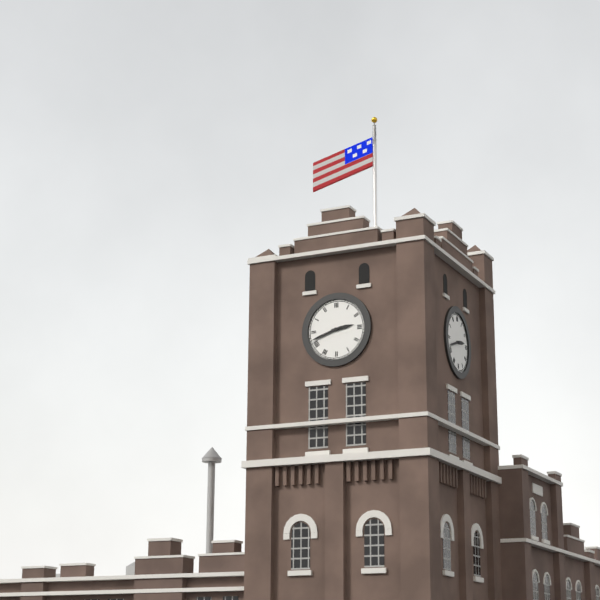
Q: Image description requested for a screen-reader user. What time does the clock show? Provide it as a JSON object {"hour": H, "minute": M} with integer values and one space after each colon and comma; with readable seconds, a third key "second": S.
{"hour": 2, "minute": 42}
